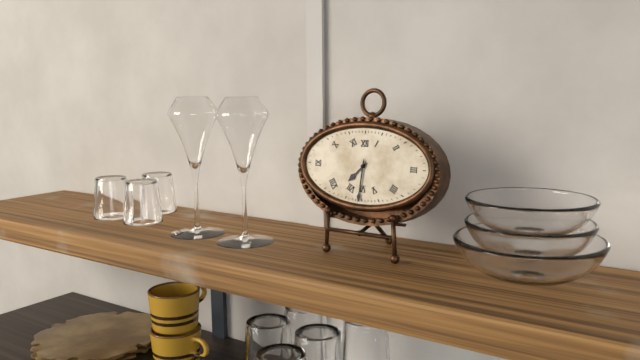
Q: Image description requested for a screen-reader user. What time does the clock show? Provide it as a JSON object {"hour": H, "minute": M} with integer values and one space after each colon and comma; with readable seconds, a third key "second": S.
{"hour": 7, "minute": 31}
